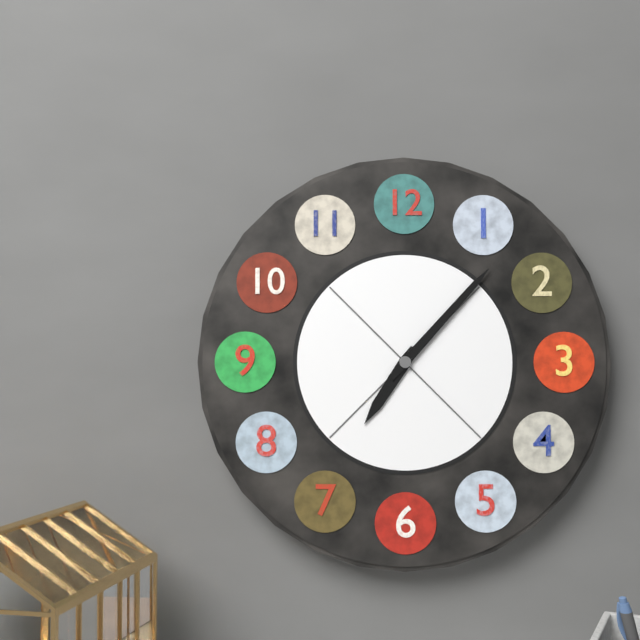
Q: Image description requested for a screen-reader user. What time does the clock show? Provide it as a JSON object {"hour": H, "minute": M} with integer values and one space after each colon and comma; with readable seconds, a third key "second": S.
{"hour": 7, "minute": 7}
